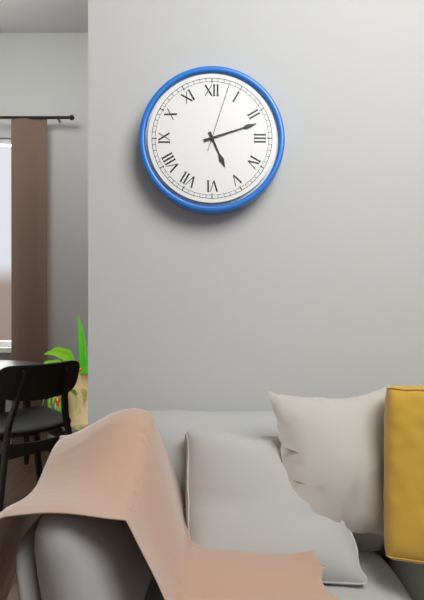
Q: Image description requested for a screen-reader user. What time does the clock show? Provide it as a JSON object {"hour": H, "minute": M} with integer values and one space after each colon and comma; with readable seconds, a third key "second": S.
{"hour": 5, "minute": 12, "second": 3}
